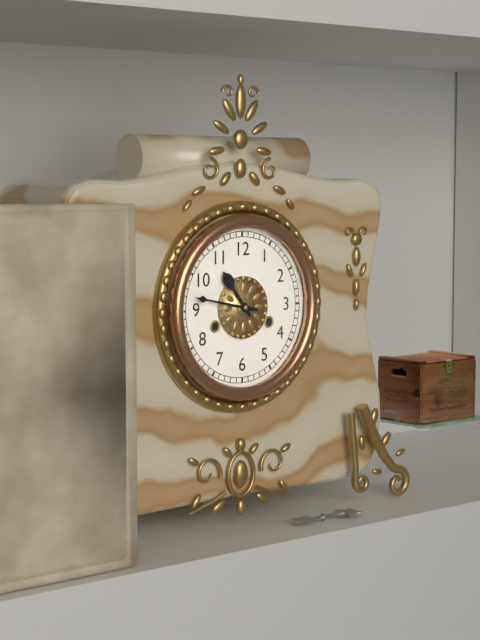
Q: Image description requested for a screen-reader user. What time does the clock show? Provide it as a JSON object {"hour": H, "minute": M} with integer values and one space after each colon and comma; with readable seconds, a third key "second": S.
{"hour": 10, "minute": 47}
